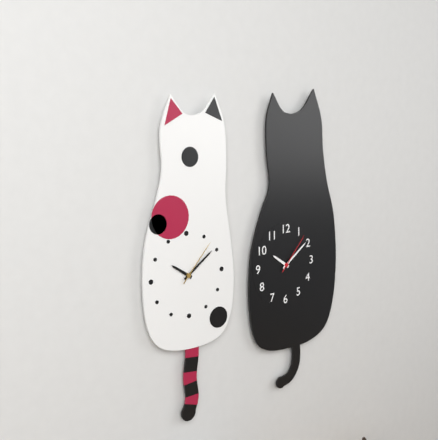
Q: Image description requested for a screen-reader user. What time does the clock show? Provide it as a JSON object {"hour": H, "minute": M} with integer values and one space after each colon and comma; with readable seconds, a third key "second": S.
{"hour": 10, "minute": 9}
